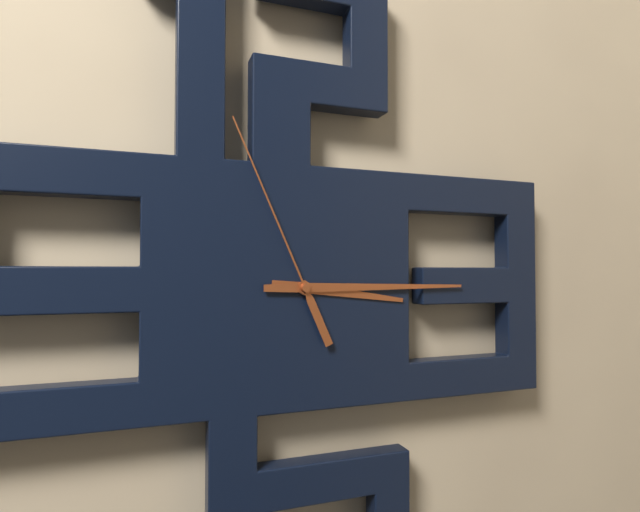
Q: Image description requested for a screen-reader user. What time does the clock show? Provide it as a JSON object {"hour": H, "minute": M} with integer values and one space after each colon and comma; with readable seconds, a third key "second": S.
{"hour": 3, "minute": 15, "second": 56}
